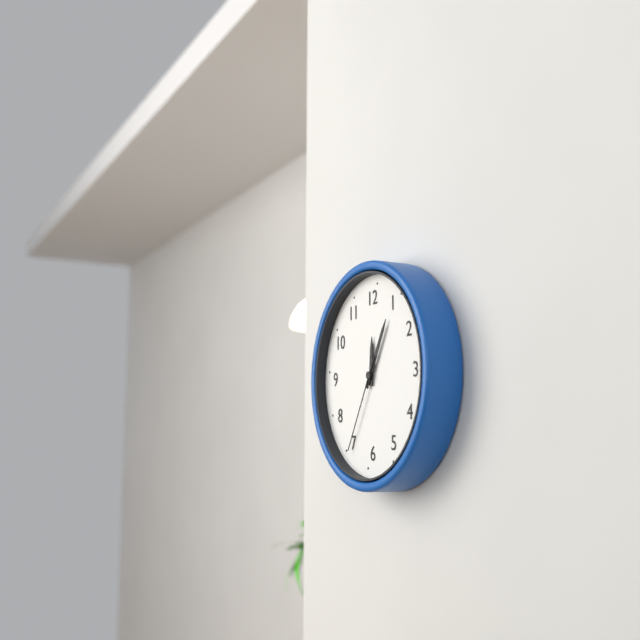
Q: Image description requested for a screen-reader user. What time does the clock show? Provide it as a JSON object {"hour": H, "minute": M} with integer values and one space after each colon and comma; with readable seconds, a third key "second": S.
{"hour": 12, "minute": 5, "second": 35}
